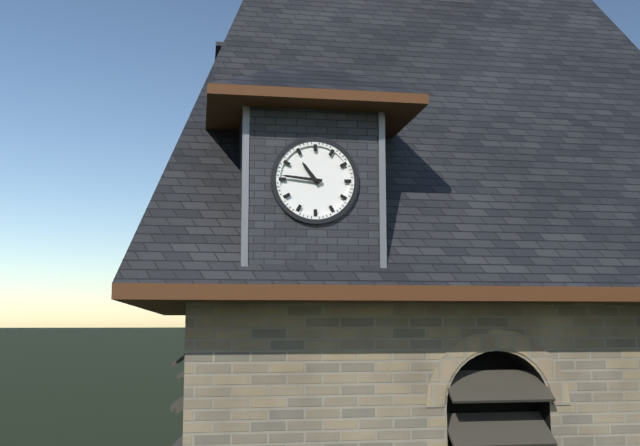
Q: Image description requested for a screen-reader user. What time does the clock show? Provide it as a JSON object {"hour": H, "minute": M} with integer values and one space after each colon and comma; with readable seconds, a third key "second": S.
{"hour": 10, "minute": 46}
